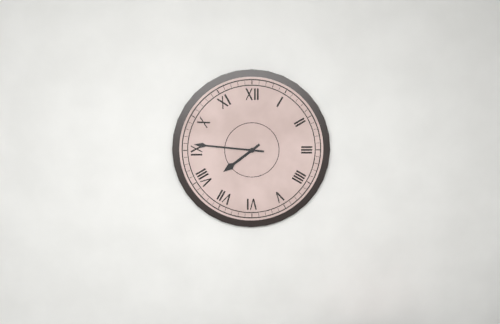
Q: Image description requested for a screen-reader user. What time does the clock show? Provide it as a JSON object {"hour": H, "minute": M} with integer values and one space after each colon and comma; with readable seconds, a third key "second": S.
{"hour": 7, "minute": 46}
